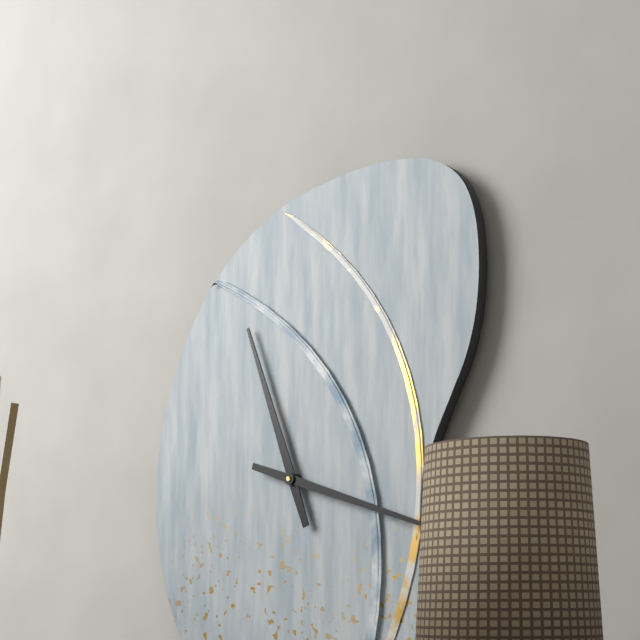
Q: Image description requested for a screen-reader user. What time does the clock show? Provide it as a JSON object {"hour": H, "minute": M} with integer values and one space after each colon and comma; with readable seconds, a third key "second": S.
{"hour": 11, "minute": 18}
